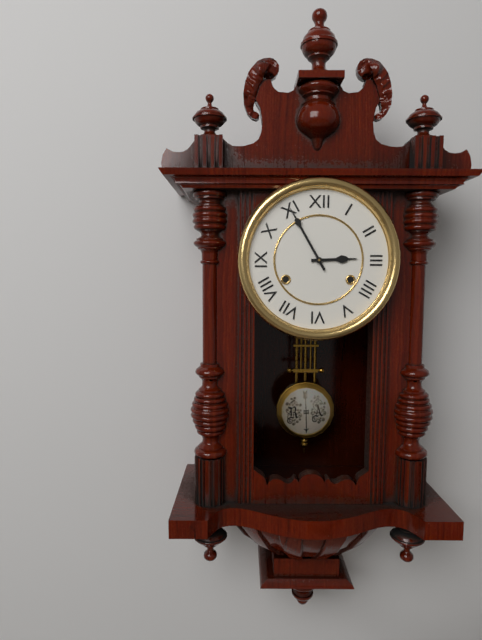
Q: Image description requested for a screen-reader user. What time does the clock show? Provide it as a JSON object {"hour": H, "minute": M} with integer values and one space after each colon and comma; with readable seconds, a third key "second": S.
{"hour": 2, "minute": 55}
